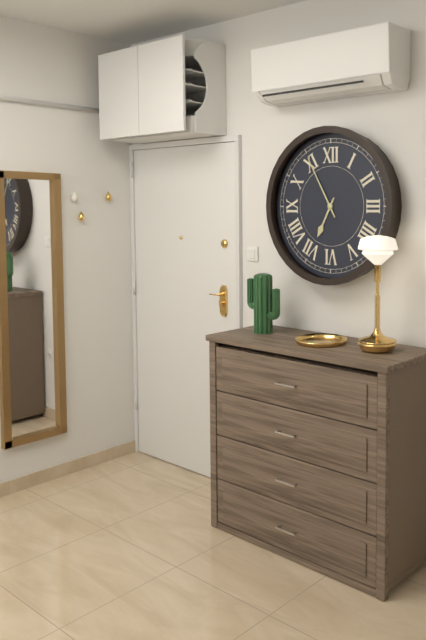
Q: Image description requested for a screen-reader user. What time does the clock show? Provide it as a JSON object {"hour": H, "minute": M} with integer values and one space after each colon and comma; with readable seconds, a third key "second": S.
{"hour": 6, "minute": 55}
